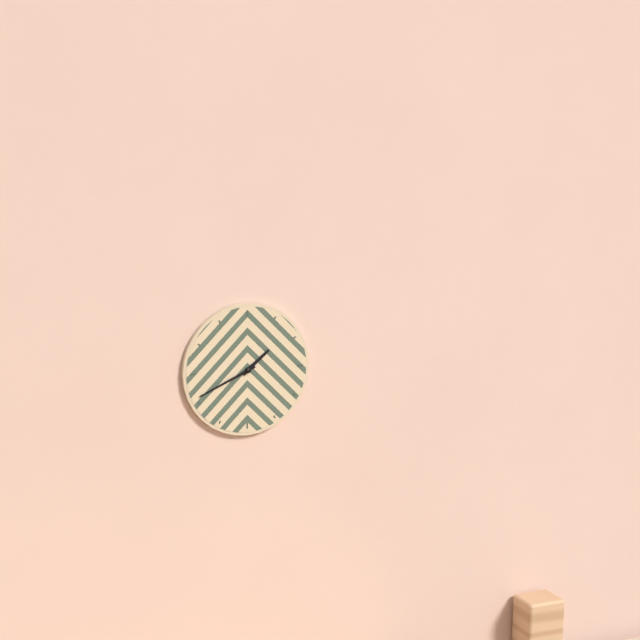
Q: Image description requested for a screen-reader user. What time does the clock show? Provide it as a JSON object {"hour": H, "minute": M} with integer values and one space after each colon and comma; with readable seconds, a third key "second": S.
{"hour": 1, "minute": 41}
